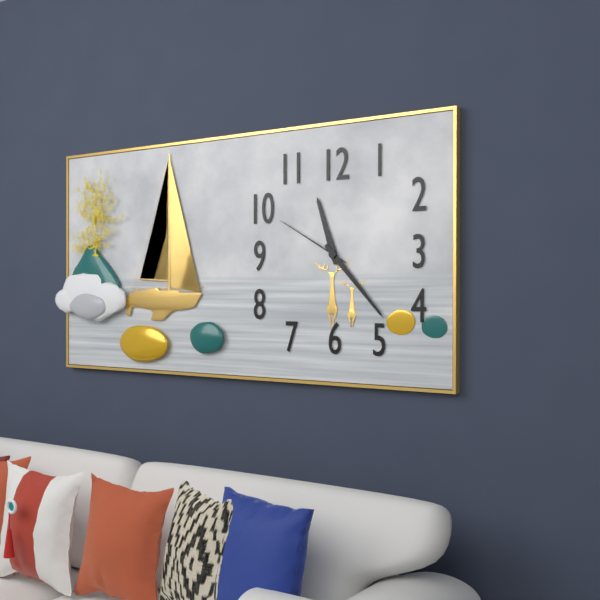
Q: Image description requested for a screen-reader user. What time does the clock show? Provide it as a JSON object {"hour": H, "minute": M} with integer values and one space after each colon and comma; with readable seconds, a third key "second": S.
{"hour": 11, "minute": 23, "second": 50}
